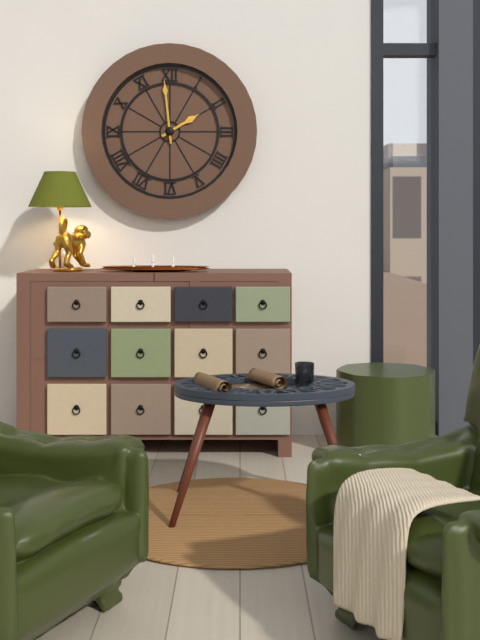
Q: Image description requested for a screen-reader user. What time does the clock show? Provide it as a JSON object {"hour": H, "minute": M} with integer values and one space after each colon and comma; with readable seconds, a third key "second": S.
{"hour": 1, "minute": 59}
